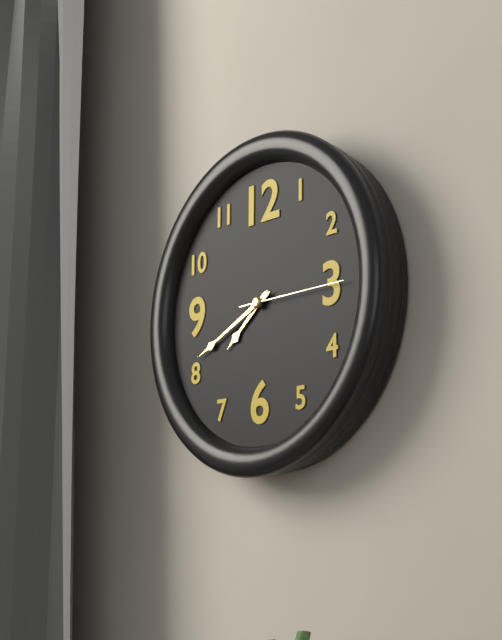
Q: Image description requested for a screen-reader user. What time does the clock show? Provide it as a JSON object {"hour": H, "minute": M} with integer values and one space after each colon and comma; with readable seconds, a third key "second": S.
{"hour": 7, "minute": 41, "second": 15}
